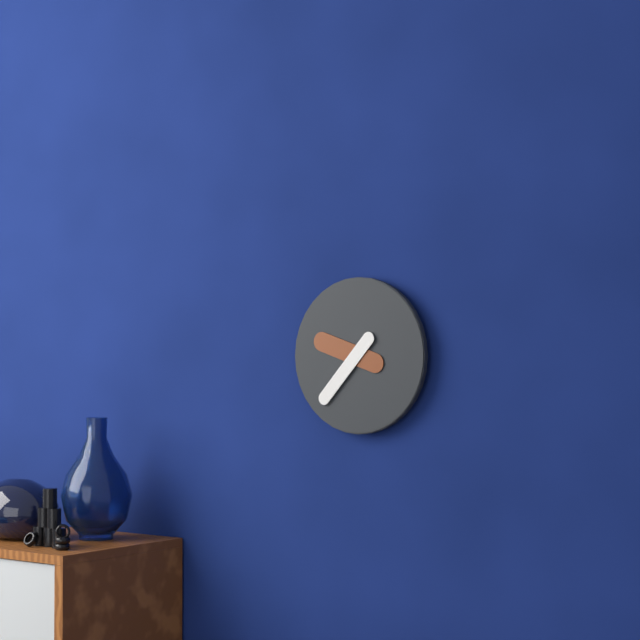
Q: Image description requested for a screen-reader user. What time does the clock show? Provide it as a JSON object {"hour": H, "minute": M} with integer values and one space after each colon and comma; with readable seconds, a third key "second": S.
{"hour": 9, "minute": 37}
